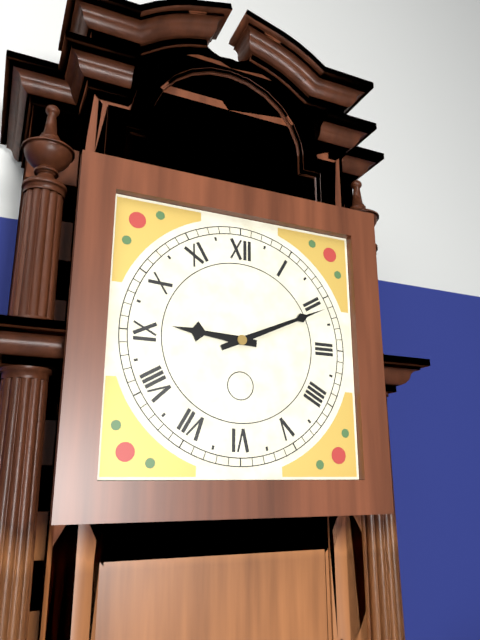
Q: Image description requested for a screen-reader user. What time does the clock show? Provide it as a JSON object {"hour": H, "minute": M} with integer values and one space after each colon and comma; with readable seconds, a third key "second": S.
{"hour": 9, "minute": 11}
